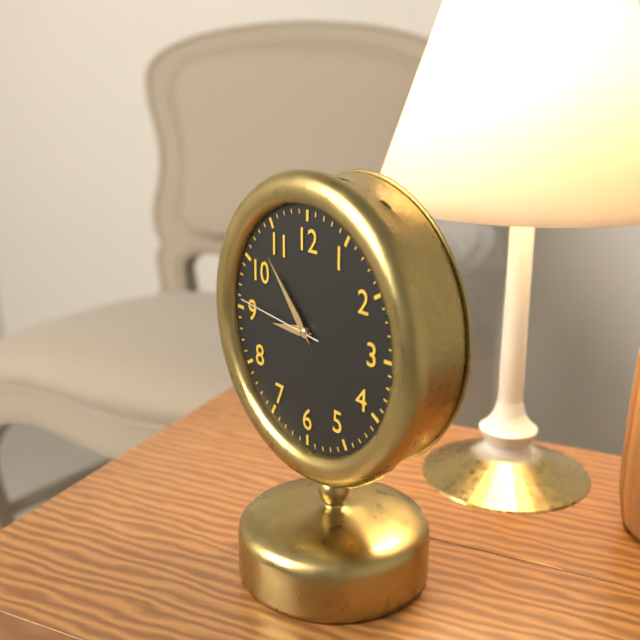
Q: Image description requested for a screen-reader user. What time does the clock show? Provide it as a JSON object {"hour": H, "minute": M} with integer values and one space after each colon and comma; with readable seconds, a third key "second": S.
{"hour": 8, "minute": 53, "second": 46}
